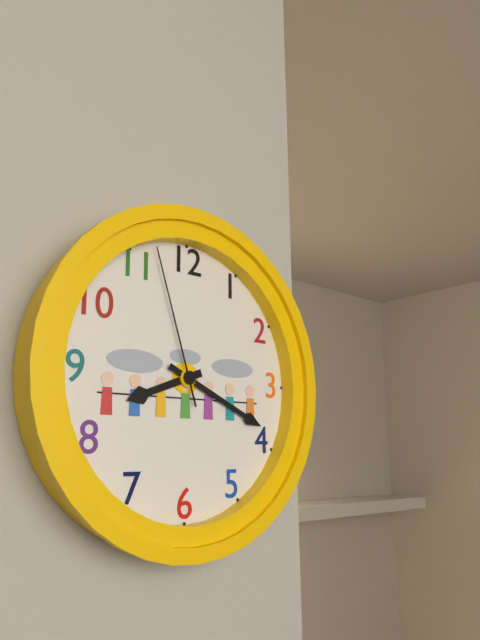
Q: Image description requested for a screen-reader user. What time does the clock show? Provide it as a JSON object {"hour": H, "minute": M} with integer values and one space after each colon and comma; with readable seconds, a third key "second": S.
{"hour": 8, "minute": 19, "second": 57}
